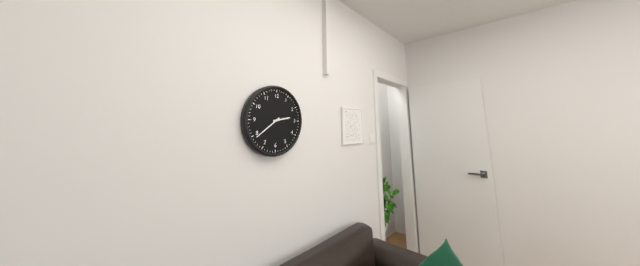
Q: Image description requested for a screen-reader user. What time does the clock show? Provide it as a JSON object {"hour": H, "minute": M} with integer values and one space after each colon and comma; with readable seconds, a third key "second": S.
{"hour": 2, "minute": 39}
